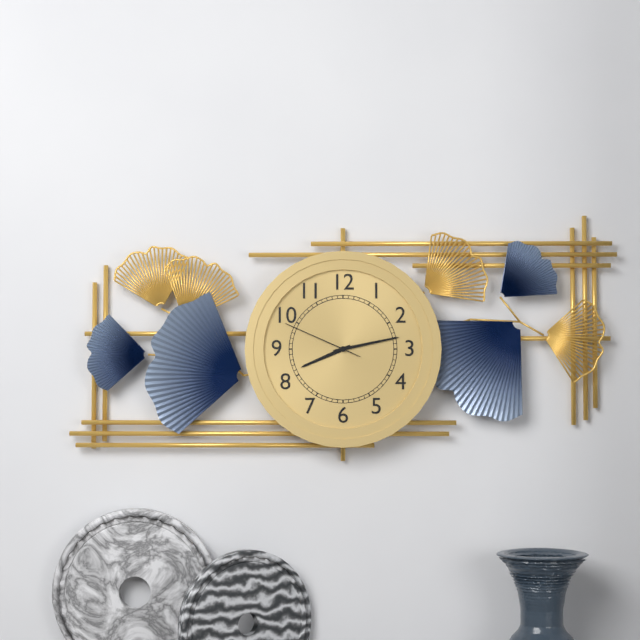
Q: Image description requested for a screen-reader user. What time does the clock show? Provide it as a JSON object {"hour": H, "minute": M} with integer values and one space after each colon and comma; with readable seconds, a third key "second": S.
{"hour": 8, "minute": 13, "second": 49}
